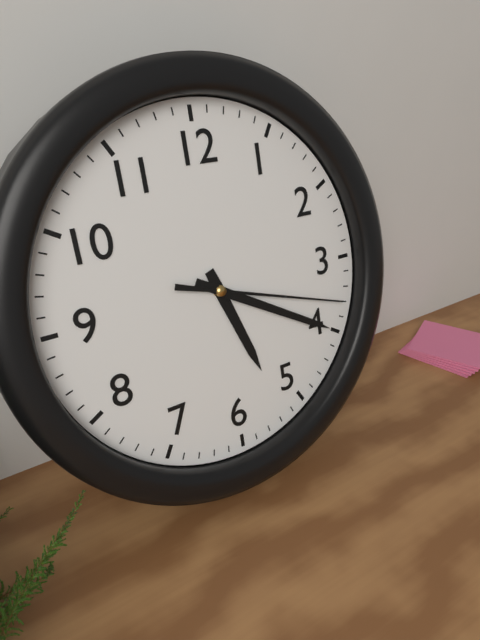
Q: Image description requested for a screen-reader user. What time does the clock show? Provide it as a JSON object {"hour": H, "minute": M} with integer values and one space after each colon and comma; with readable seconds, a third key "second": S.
{"hour": 5, "minute": 20, "second": 18}
